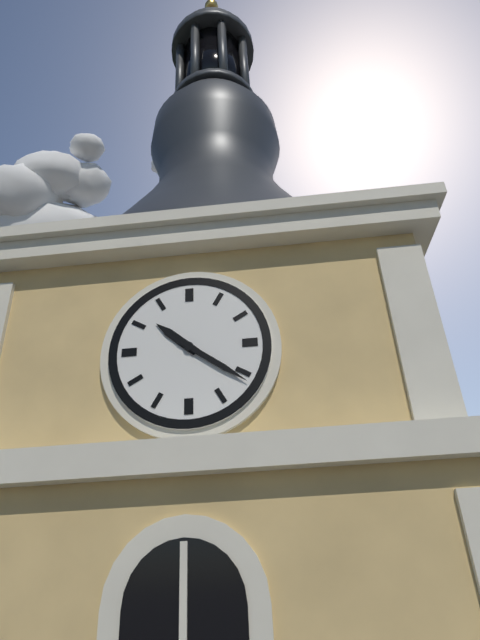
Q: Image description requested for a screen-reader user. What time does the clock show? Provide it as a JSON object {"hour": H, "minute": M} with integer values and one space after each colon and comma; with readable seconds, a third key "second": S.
{"hour": 10, "minute": 21}
